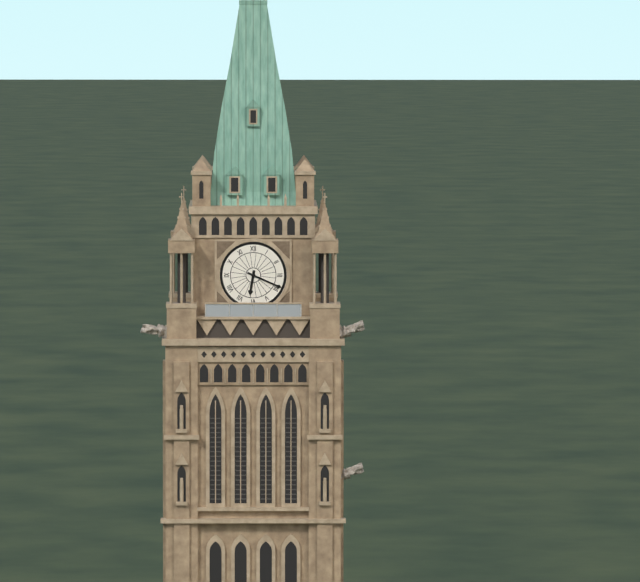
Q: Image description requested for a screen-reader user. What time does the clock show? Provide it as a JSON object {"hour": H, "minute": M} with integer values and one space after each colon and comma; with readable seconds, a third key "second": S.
{"hour": 6, "minute": 19}
